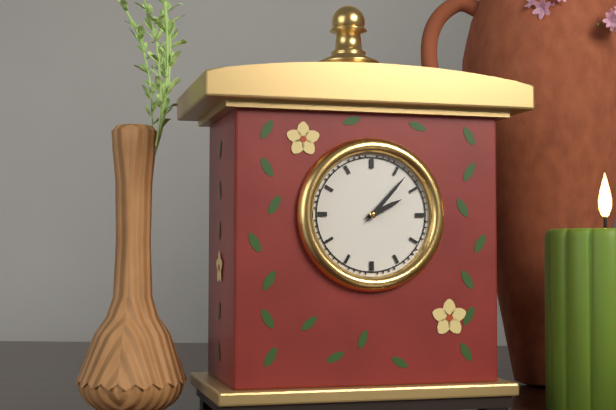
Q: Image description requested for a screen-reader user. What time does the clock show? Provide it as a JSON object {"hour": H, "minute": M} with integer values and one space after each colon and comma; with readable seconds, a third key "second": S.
{"hour": 2, "minute": 7}
